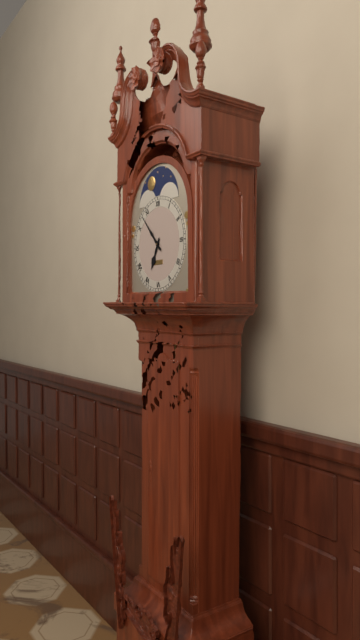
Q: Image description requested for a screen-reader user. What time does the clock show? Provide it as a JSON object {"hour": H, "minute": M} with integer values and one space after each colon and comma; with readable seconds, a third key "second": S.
{"hour": 6, "minute": 53}
